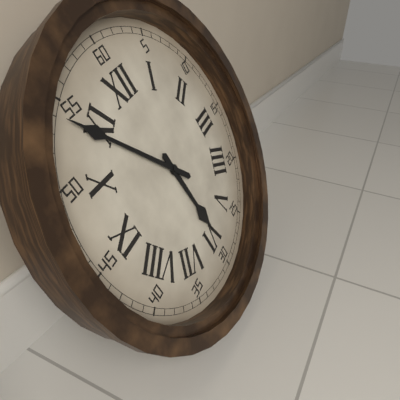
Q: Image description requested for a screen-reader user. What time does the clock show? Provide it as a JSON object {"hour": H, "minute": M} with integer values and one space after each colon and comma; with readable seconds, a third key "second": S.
{"hour": 5, "minute": 54}
